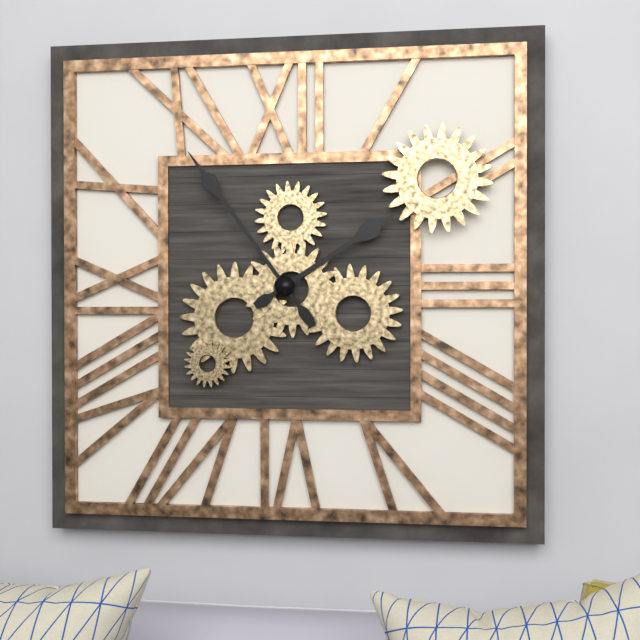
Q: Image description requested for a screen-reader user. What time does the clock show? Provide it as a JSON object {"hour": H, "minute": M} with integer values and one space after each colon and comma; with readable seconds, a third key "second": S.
{"hour": 1, "minute": 54}
